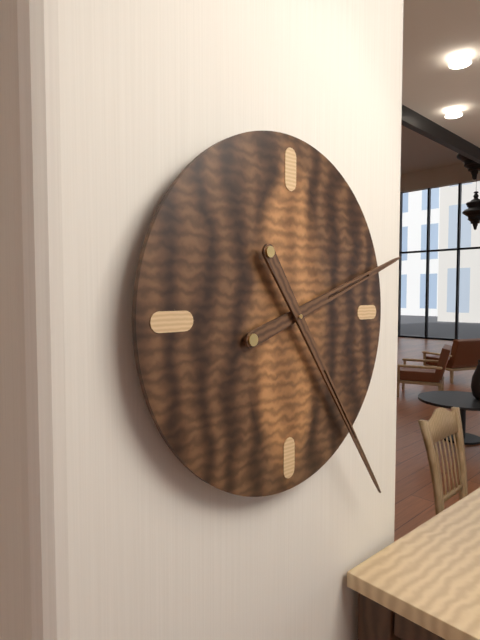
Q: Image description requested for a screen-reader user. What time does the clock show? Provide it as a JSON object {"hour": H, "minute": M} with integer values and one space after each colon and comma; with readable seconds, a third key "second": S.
{"hour": 2, "minute": 24}
